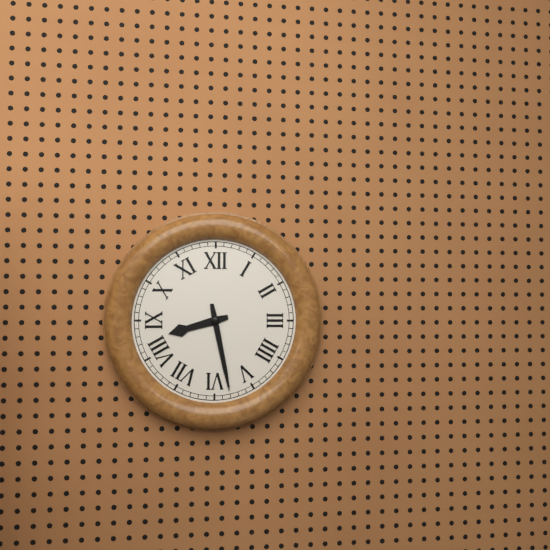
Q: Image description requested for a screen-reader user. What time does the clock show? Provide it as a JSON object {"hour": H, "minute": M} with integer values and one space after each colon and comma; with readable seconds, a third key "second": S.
{"hour": 8, "minute": 28}
